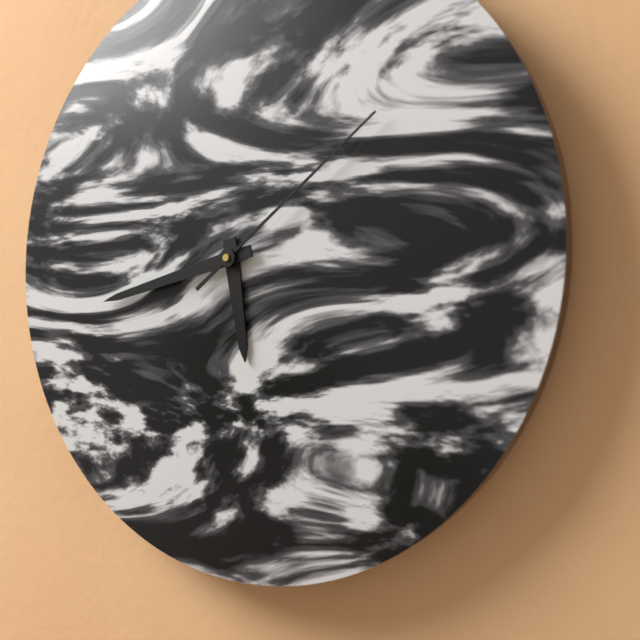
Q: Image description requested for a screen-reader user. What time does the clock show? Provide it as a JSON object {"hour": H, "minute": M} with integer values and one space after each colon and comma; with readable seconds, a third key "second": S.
{"hour": 5, "minute": 43, "second": 9}
